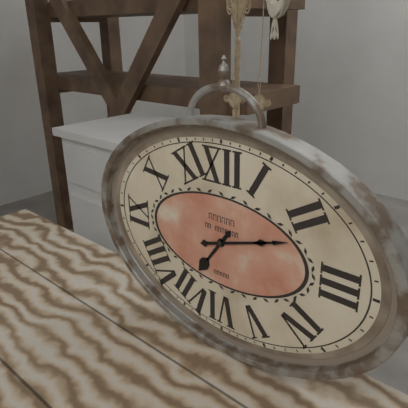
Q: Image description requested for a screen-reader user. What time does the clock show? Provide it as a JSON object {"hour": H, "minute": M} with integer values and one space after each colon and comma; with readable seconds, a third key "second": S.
{"hour": 7, "minute": 12}
